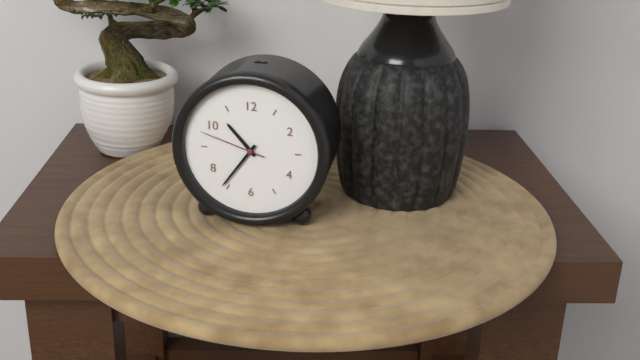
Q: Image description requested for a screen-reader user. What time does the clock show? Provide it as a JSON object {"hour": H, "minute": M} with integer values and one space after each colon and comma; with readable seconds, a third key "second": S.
{"hour": 10, "minute": 36, "second": 48}
